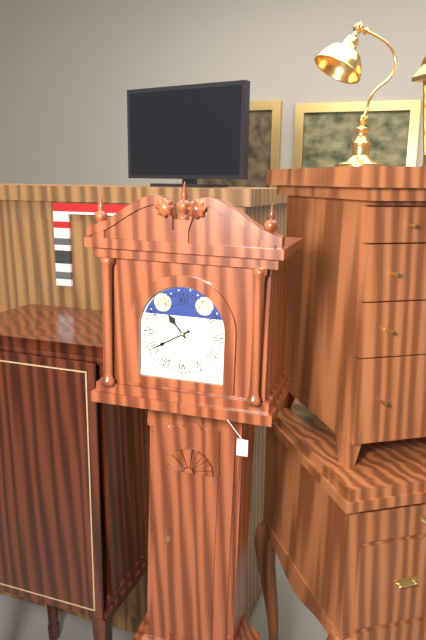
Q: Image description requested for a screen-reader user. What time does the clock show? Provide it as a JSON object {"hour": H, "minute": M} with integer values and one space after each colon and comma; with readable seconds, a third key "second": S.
{"hour": 10, "minute": 40}
